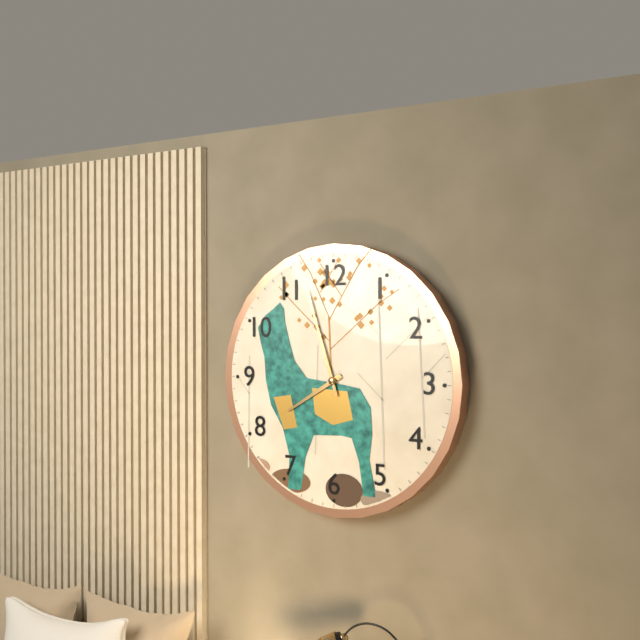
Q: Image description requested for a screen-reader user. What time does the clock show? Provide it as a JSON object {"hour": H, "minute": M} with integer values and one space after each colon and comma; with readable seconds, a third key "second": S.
{"hour": 7, "minute": 57}
